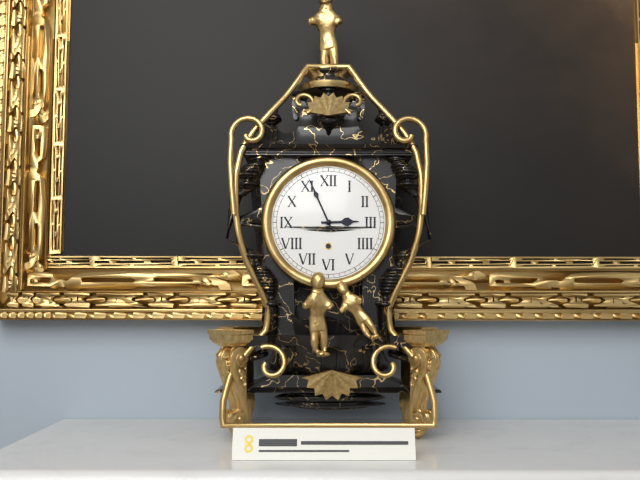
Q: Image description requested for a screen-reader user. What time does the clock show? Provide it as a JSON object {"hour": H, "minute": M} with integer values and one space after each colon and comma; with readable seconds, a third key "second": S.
{"hour": 2, "minute": 56}
